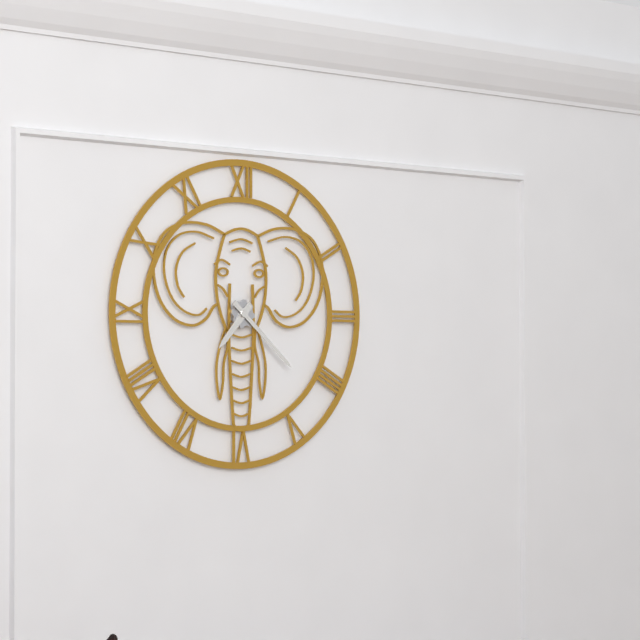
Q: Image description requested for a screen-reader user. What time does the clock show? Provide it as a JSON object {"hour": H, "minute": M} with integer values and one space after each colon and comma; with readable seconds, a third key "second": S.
{"hour": 7, "minute": 22}
